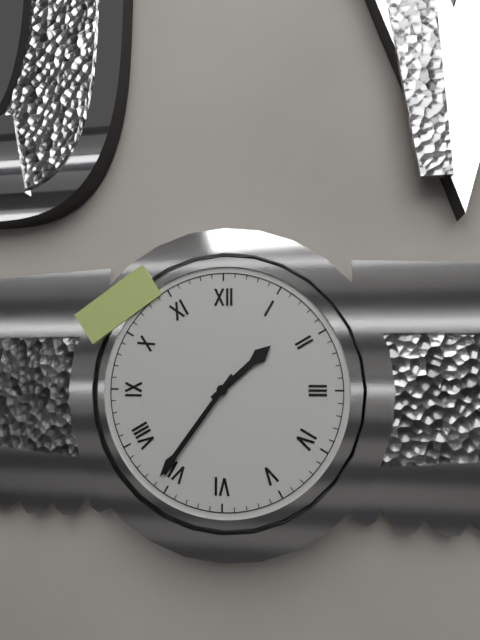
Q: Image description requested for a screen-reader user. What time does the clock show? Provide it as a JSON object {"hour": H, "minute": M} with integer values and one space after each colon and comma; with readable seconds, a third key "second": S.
{"hour": 1, "minute": 36}
